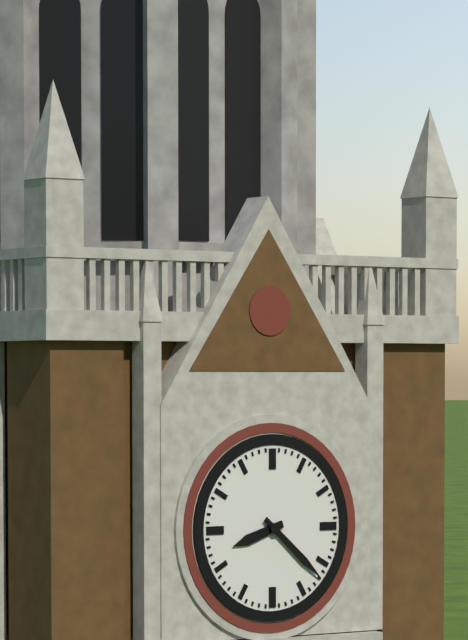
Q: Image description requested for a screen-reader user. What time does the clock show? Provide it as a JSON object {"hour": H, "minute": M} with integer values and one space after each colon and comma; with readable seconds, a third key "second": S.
{"hour": 8, "minute": 22}
